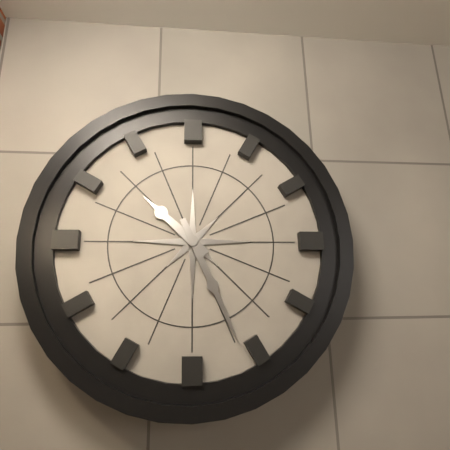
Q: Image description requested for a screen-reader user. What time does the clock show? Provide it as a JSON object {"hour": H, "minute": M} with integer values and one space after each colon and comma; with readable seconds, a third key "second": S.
{"hour": 10, "minute": 26}
